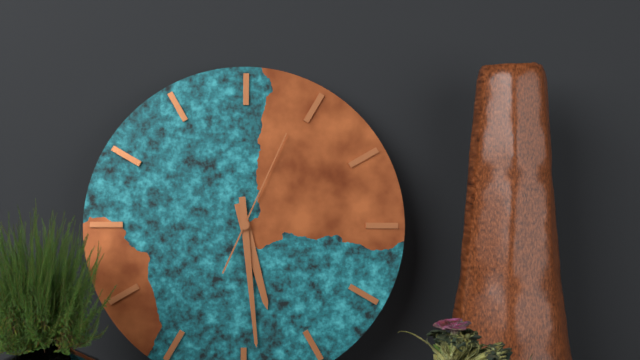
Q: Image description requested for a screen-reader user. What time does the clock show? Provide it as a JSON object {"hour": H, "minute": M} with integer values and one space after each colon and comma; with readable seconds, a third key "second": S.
{"hour": 5, "minute": 29, "second": 4}
